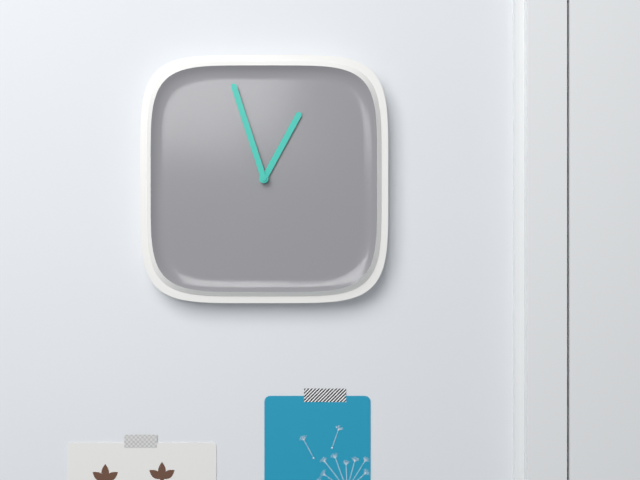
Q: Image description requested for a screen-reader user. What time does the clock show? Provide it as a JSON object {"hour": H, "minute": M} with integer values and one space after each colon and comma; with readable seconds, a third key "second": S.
{"hour": 12, "minute": 57}
